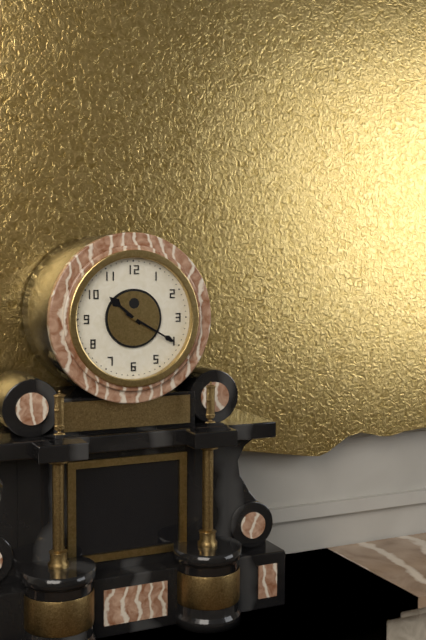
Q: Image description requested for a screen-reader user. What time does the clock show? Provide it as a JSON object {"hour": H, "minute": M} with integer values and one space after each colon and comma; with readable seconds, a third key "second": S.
{"hour": 10, "minute": 20}
